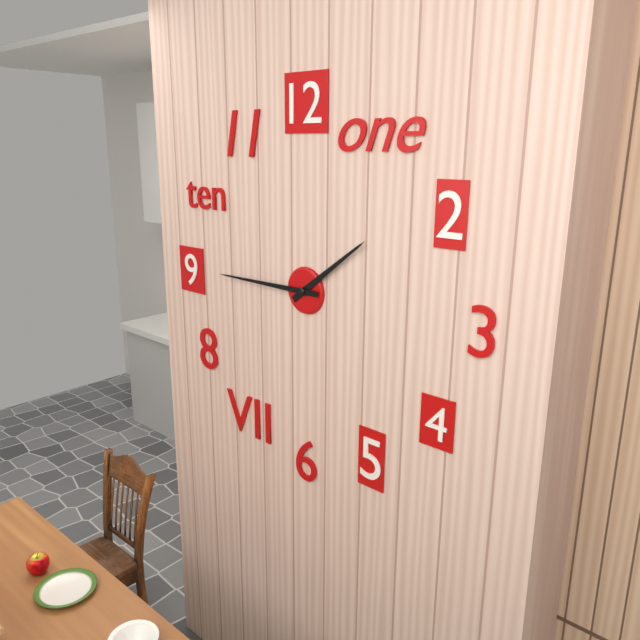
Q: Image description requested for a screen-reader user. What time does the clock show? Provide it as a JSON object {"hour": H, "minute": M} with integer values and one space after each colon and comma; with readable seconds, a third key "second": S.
{"hour": 1, "minute": 45}
